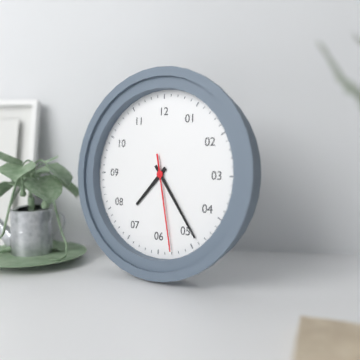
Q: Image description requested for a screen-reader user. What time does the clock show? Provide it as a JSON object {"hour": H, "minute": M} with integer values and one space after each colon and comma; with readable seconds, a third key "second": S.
{"hour": 7, "minute": 24, "second": 28}
